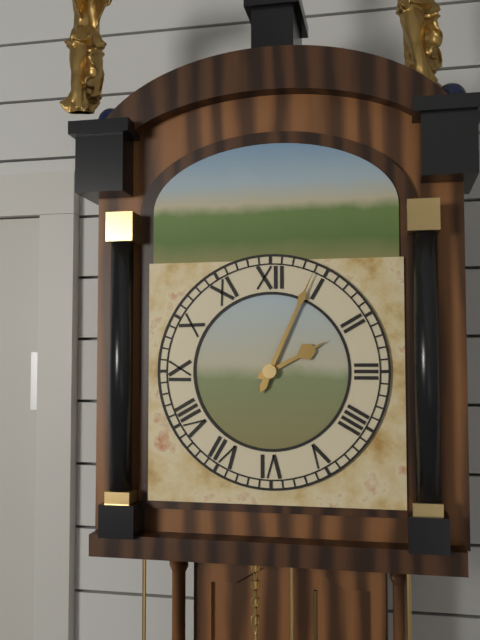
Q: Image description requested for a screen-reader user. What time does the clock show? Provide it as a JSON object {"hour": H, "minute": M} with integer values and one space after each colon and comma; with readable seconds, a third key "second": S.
{"hour": 2, "minute": 4}
